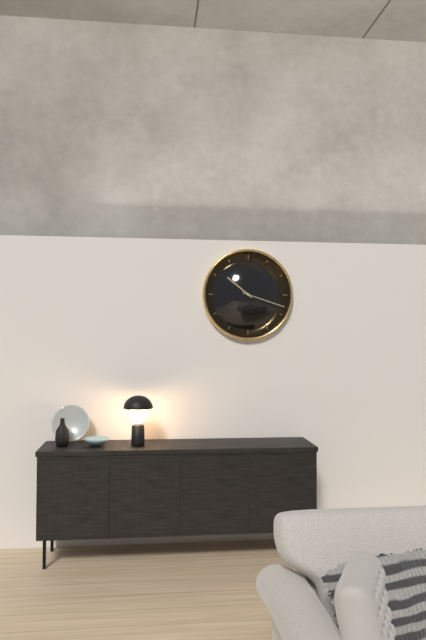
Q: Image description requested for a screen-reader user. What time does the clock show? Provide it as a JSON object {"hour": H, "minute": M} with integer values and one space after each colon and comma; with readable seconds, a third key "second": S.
{"hour": 10, "minute": 18}
